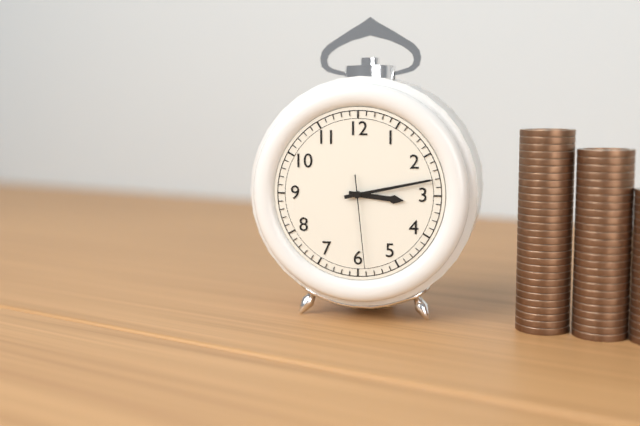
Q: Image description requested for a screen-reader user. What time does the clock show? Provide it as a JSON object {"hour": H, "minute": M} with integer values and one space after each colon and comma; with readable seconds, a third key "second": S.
{"hour": 3, "minute": 13, "second": 29}
